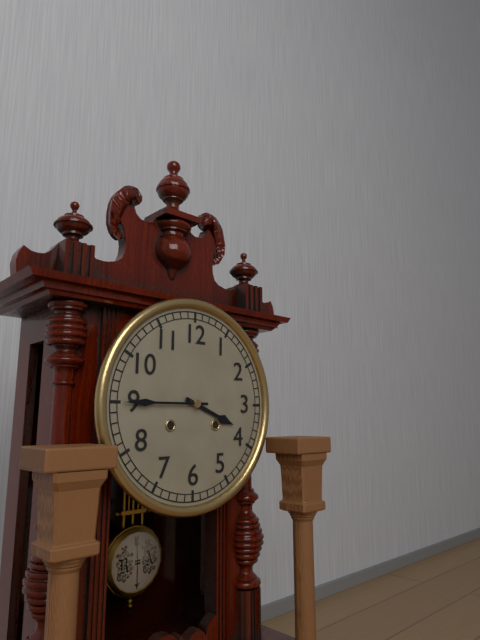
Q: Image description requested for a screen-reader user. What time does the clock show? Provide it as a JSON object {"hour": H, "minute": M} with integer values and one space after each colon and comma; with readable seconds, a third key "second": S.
{"hour": 3, "minute": 45}
